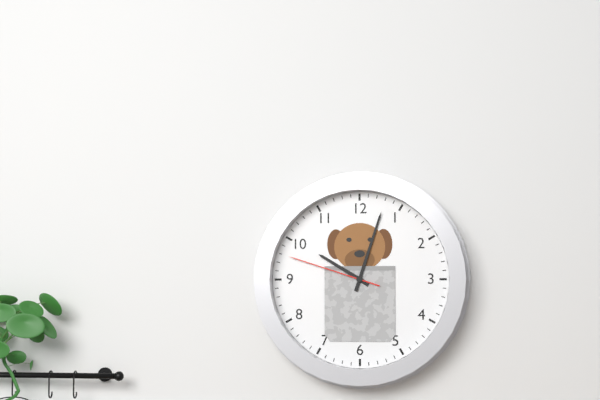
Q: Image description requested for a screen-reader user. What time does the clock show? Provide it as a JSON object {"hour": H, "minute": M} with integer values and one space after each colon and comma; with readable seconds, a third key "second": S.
{"hour": 10, "minute": 3, "second": 48}
